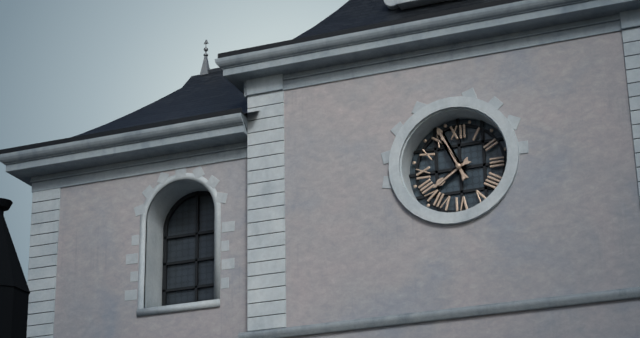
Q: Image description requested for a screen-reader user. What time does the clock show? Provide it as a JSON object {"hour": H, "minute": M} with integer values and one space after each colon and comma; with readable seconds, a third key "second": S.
{"hour": 7, "minute": 56}
